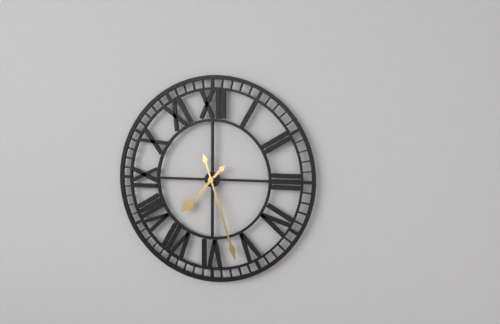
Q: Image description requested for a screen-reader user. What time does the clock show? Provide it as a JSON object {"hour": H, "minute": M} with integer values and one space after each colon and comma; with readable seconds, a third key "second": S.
{"hour": 7, "minute": 27}
